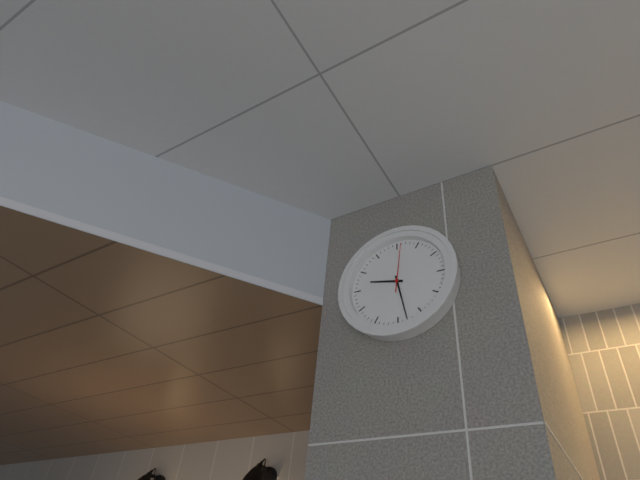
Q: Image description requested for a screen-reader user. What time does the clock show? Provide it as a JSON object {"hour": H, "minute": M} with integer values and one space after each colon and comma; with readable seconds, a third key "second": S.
{"hour": 9, "minute": 28}
